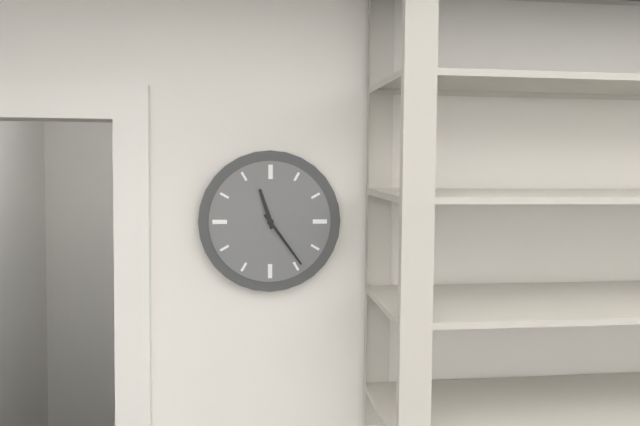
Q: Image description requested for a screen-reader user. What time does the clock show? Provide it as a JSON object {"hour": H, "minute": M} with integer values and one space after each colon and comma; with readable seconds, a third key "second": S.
{"hour": 11, "minute": 24}
